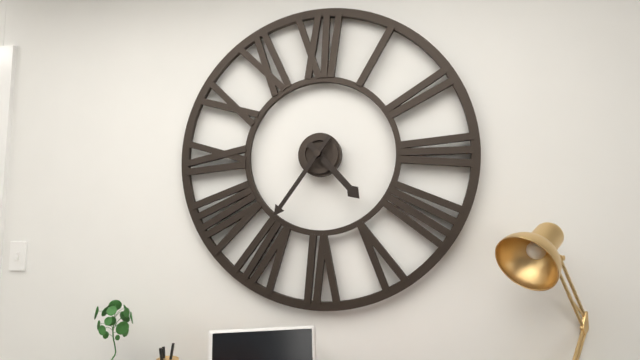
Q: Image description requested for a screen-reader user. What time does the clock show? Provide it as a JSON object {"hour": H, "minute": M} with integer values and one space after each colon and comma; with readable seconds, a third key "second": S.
{"hour": 4, "minute": 36}
